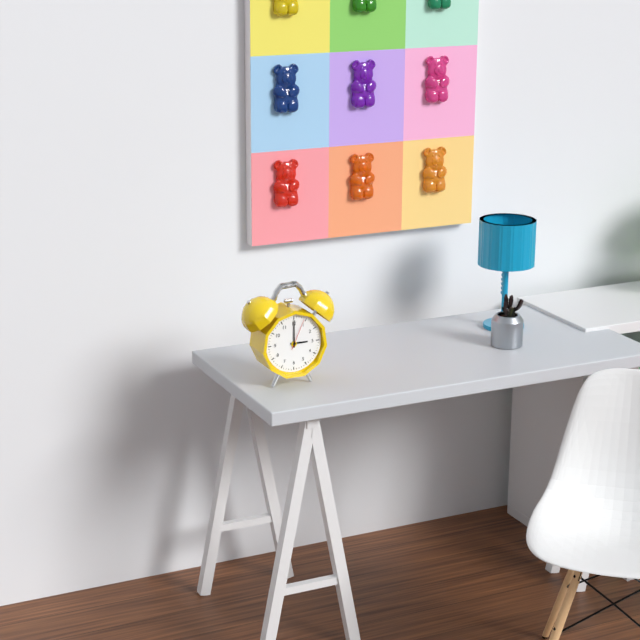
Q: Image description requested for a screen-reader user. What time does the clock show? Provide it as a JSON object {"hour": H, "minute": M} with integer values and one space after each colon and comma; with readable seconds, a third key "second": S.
{"hour": 3, "minute": 0}
